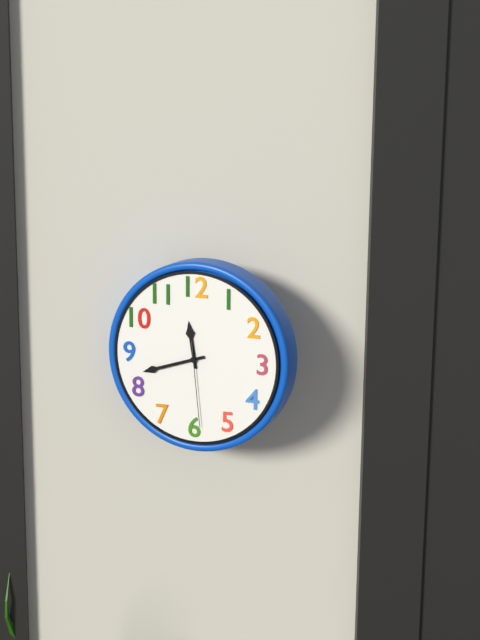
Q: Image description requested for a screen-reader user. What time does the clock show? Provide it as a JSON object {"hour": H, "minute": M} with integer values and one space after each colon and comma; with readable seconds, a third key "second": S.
{"hour": 11, "minute": 42, "second": 29}
